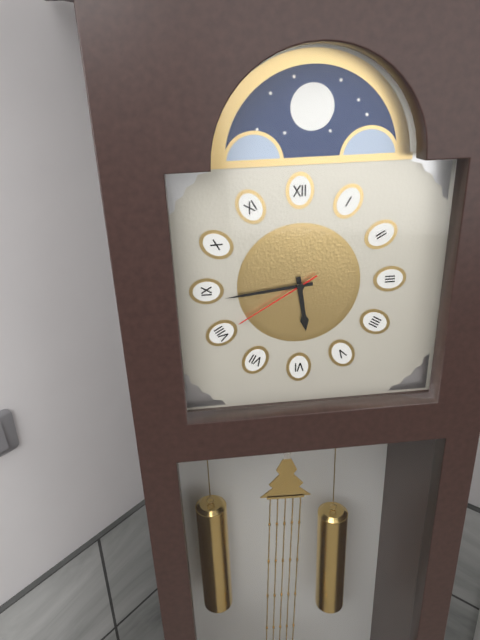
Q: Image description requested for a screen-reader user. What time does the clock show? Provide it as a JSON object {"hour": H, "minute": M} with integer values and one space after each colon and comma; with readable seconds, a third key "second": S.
{"hour": 5, "minute": 44, "second": 40}
